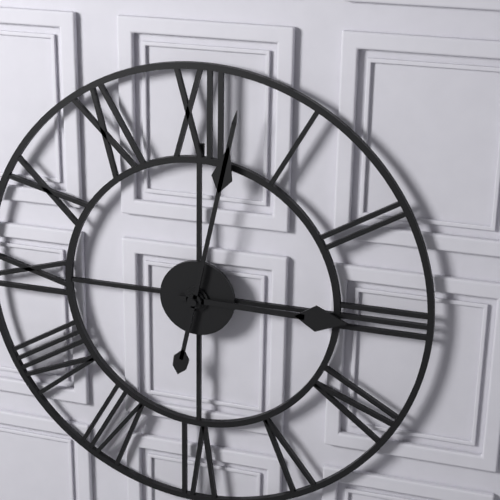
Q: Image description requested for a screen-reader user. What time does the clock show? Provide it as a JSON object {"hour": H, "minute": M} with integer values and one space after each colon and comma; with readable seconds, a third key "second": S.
{"hour": 3, "minute": 2}
